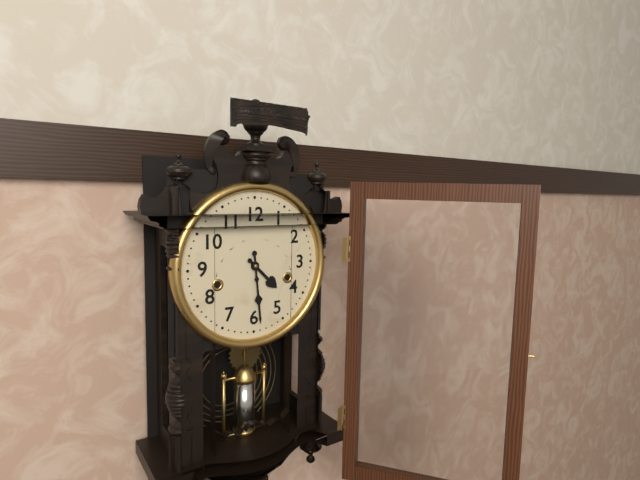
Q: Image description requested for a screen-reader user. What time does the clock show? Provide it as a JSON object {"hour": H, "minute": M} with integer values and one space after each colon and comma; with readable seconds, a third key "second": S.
{"hour": 4, "minute": 29}
